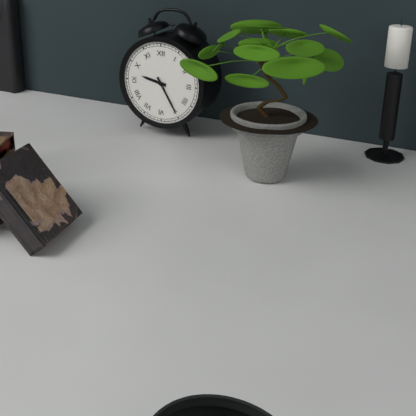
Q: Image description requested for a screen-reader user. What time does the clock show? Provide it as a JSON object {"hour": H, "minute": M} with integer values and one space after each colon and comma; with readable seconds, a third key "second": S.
{"hour": 9, "minute": 25}
